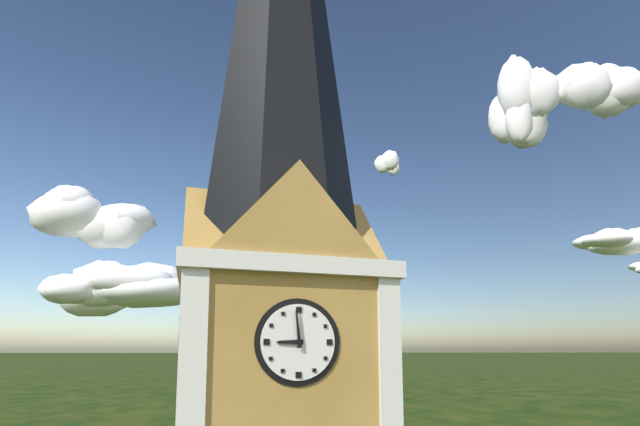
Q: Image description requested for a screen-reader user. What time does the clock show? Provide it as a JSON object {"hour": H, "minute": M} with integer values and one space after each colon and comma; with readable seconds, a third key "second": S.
{"hour": 8, "minute": 59}
